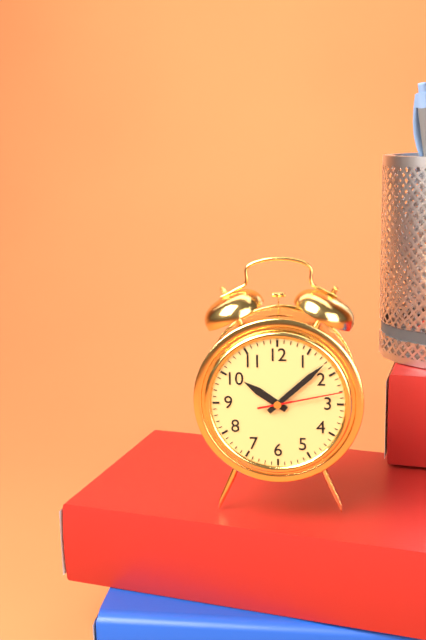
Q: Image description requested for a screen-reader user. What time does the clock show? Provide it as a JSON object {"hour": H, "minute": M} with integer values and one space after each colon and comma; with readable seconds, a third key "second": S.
{"hour": 10, "minute": 8, "second": 13}
